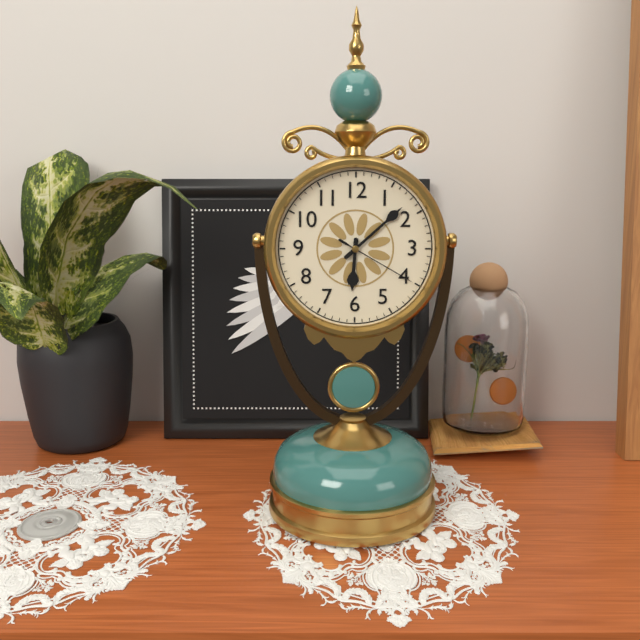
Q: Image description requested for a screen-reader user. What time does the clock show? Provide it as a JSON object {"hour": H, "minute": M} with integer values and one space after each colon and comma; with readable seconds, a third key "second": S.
{"hour": 6, "minute": 8, "second": 20}
